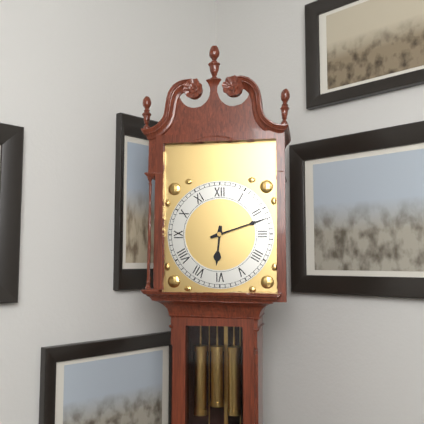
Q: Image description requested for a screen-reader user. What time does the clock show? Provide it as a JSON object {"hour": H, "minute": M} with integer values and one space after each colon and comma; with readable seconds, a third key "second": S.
{"hour": 6, "minute": 12}
